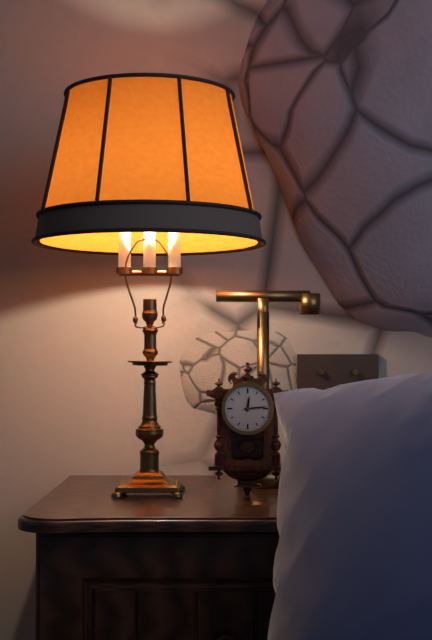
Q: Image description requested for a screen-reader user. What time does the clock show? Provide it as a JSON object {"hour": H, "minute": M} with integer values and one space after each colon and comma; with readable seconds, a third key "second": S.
{"hour": 12, "minute": 14}
